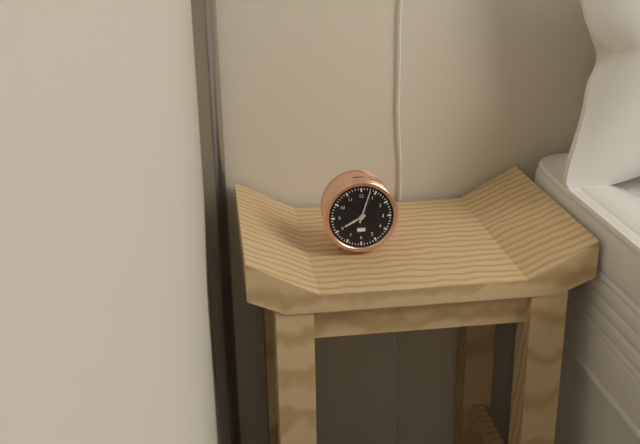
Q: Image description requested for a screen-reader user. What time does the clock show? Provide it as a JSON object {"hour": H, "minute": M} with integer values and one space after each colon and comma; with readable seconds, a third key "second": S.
{"hour": 8, "minute": 3}
